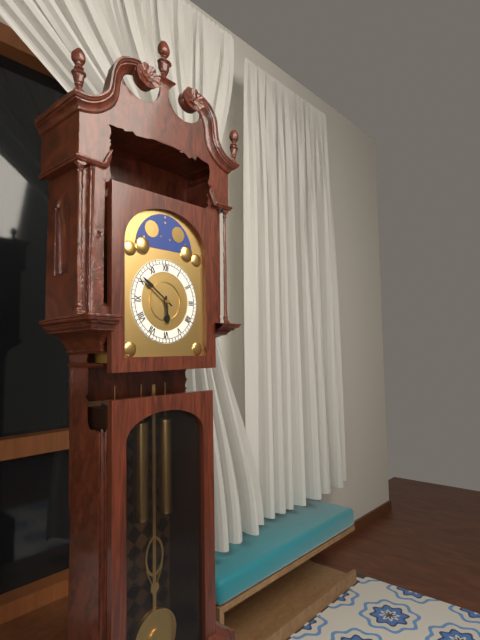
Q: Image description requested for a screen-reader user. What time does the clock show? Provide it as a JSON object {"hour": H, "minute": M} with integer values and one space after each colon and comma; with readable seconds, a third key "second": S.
{"hour": 5, "minute": 51}
